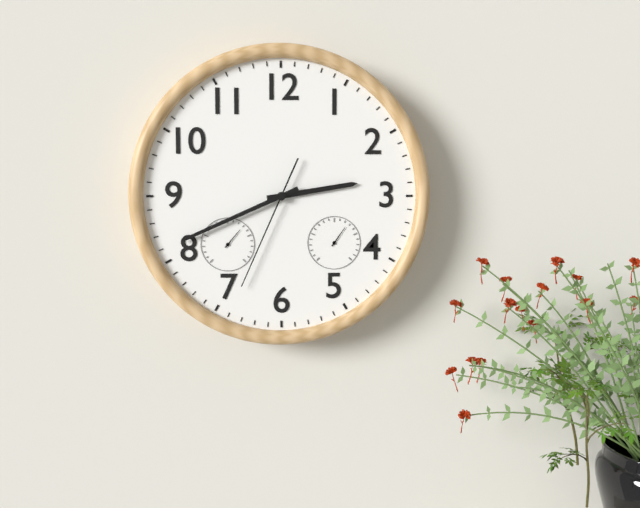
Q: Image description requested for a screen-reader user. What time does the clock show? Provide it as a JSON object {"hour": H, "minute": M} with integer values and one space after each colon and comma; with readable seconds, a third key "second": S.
{"hour": 2, "minute": 41, "second": 34}
